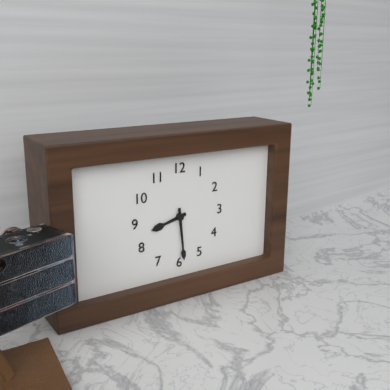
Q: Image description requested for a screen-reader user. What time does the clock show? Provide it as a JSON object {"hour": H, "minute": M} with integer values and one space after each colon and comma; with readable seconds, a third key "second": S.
{"hour": 8, "minute": 29}
